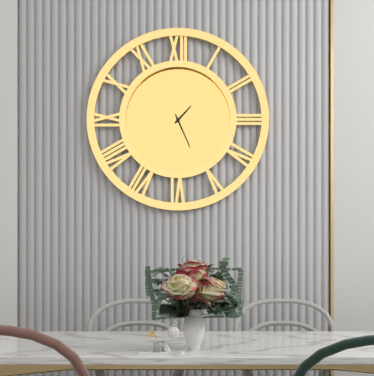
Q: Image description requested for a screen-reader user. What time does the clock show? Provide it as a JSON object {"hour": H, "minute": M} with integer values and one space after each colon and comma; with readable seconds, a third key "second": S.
{"hour": 1, "minute": 26}
